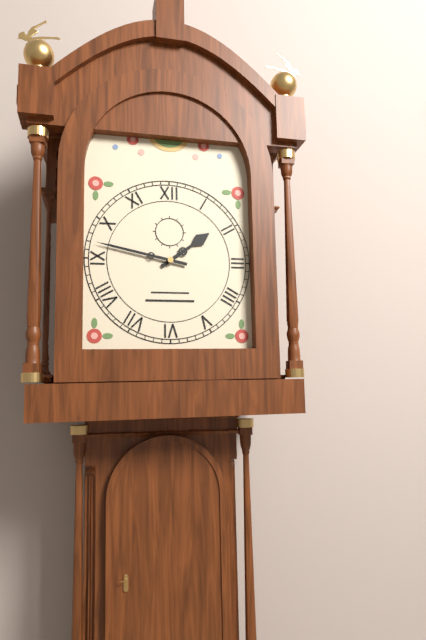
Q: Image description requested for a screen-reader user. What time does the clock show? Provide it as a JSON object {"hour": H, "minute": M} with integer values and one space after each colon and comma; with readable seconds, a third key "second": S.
{"hour": 1, "minute": 47}
